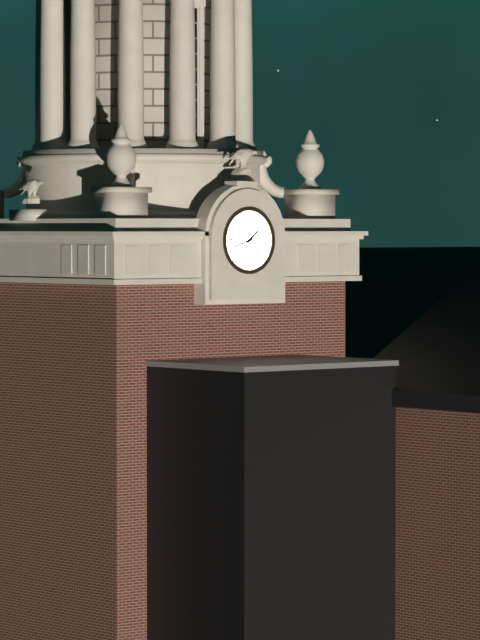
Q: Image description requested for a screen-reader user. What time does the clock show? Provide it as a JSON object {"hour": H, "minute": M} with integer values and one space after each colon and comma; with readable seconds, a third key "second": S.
{"hour": 1, "minute": 42}
